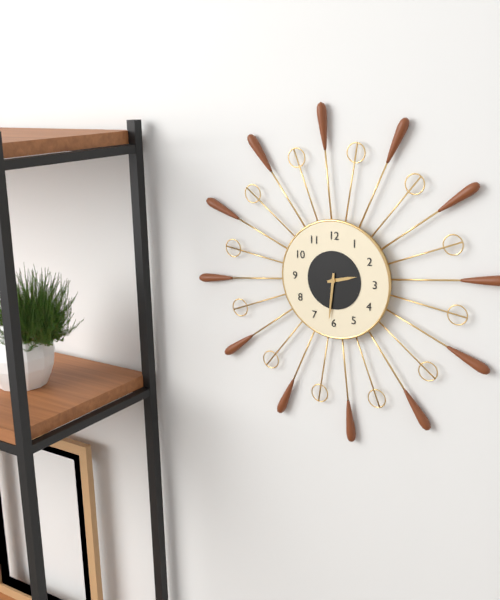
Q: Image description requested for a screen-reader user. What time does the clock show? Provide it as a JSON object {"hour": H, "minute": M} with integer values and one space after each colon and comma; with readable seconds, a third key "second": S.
{"hour": 2, "minute": 31}
